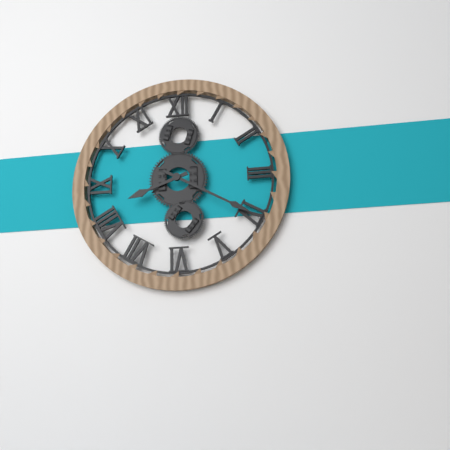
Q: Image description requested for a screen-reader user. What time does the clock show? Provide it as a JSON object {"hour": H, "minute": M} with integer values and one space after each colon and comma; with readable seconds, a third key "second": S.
{"hour": 8, "minute": 20}
